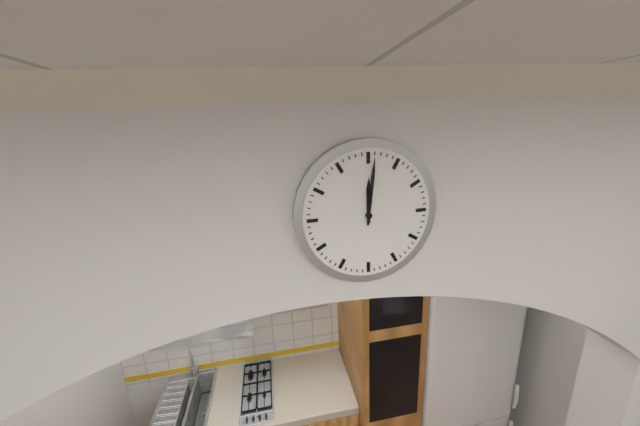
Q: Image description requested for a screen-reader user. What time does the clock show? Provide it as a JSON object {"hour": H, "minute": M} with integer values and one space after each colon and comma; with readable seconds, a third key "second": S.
{"hour": 12, "minute": 1}
